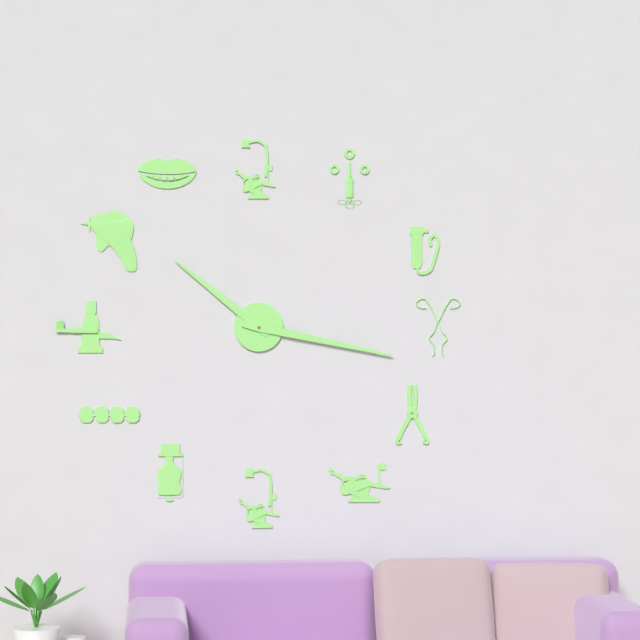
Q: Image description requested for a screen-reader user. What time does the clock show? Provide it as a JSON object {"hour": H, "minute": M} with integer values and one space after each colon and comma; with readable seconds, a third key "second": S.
{"hour": 10, "minute": 17}
